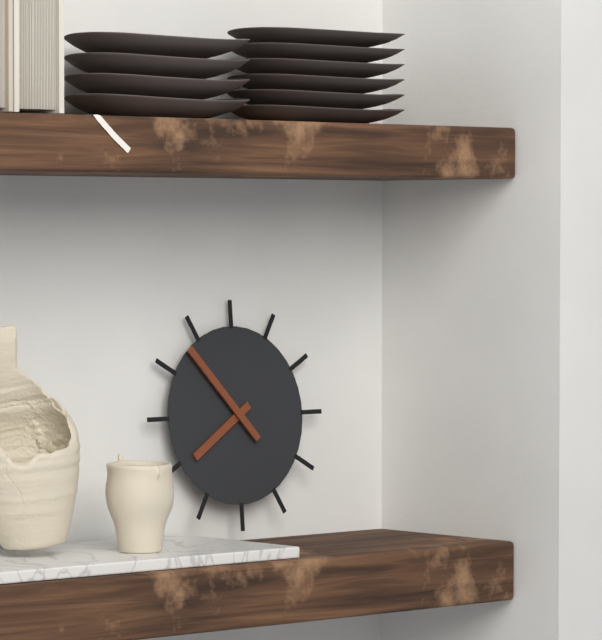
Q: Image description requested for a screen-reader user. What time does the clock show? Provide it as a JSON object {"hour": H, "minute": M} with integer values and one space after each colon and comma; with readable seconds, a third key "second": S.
{"hour": 7, "minute": 53}
